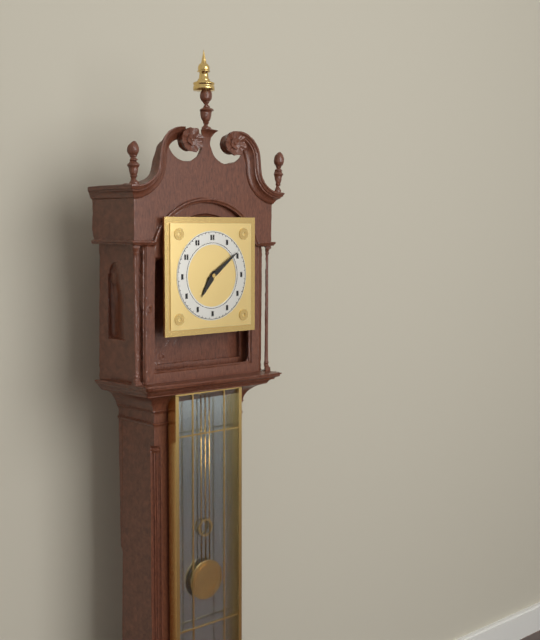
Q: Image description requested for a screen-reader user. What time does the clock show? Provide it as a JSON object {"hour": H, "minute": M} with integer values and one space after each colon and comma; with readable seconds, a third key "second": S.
{"hour": 7, "minute": 9}
